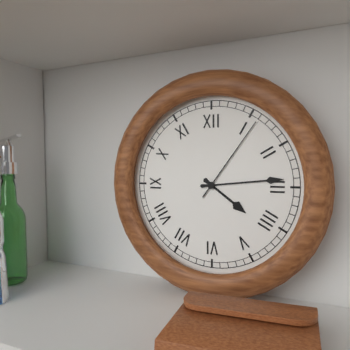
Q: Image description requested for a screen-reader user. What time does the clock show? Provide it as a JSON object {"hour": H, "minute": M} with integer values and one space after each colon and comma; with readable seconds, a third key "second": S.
{"hour": 4, "minute": 14, "second": 6}
